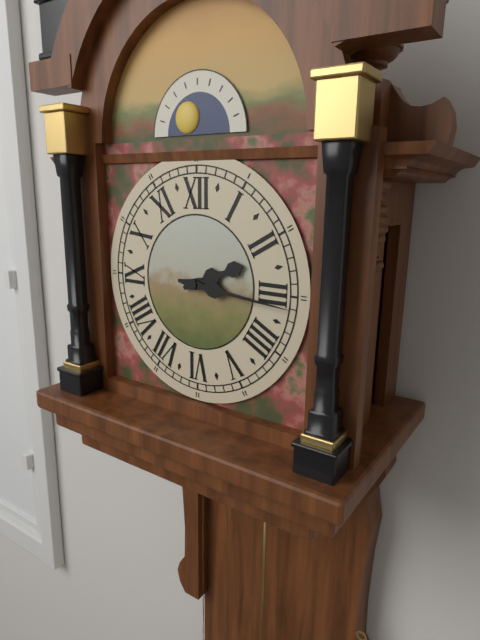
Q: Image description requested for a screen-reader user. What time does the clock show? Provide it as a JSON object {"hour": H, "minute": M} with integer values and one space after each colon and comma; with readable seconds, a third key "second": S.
{"hour": 2, "minute": 16}
